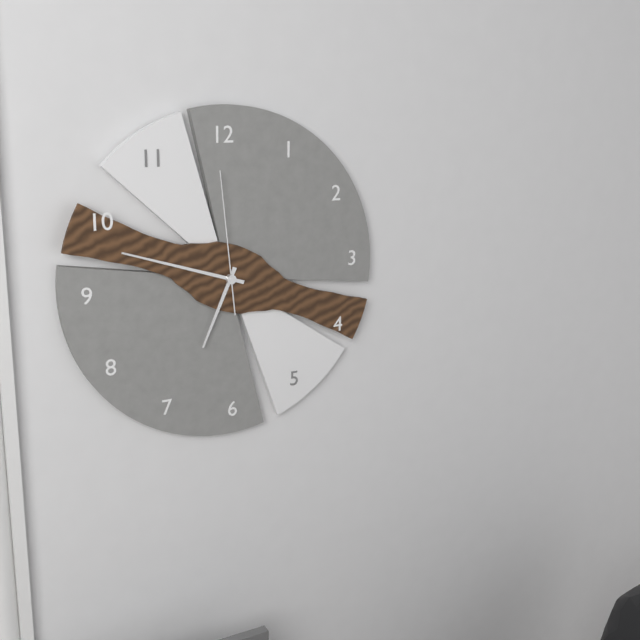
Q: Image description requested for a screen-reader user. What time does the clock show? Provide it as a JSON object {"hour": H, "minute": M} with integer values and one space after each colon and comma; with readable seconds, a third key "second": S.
{"hour": 6, "minute": 48, "second": 59}
